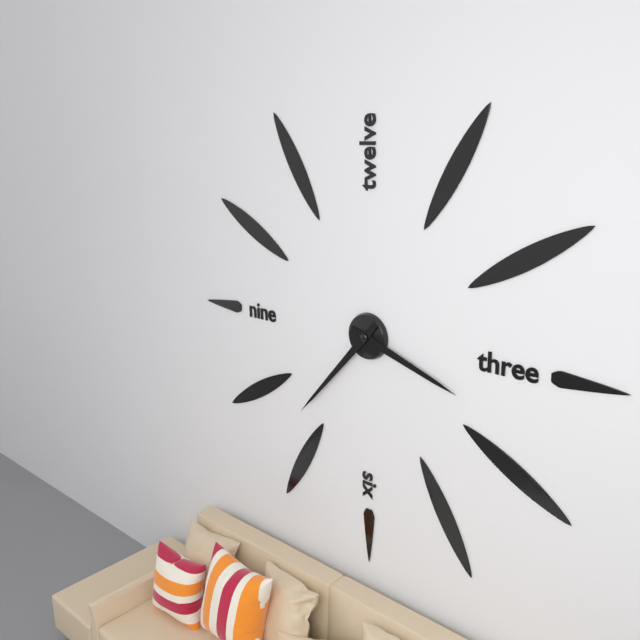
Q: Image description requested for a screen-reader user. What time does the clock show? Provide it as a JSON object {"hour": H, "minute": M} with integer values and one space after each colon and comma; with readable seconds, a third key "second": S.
{"hour": 3, "minute": 37}
